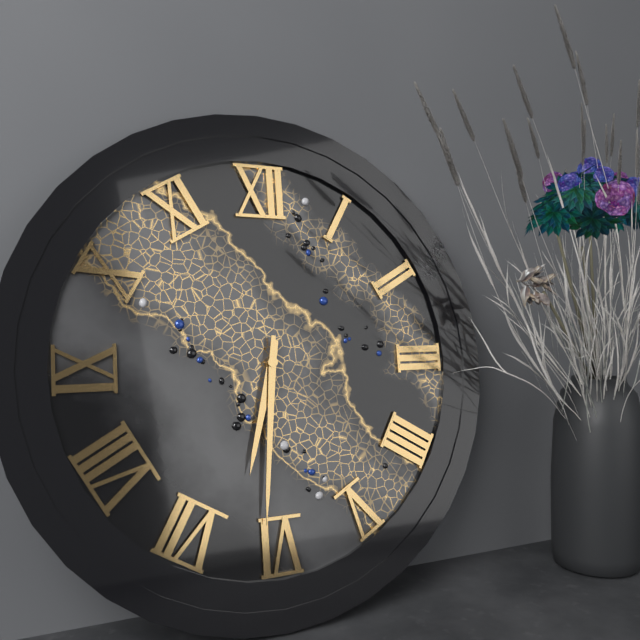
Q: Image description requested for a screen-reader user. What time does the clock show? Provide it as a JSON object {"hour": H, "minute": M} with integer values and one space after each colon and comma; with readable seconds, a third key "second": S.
{"hour": 6, "minute": 31}
